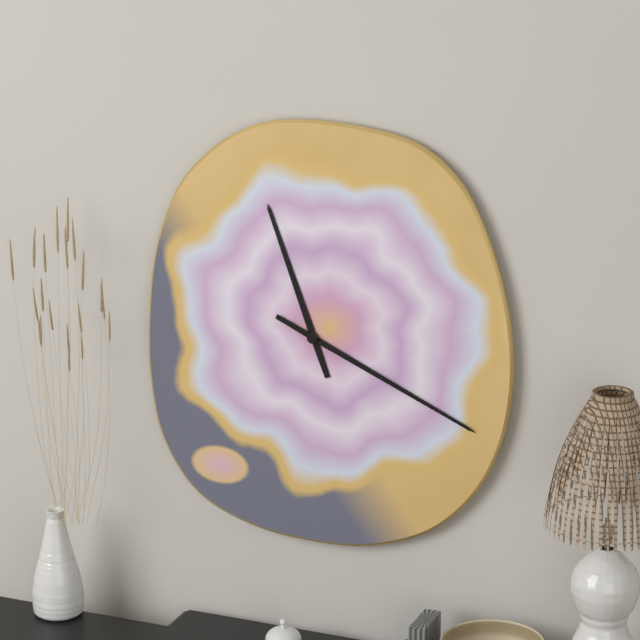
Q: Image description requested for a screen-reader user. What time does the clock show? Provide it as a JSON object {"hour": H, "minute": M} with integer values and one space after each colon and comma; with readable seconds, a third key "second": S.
{"hour": 11, "minute": 19}
